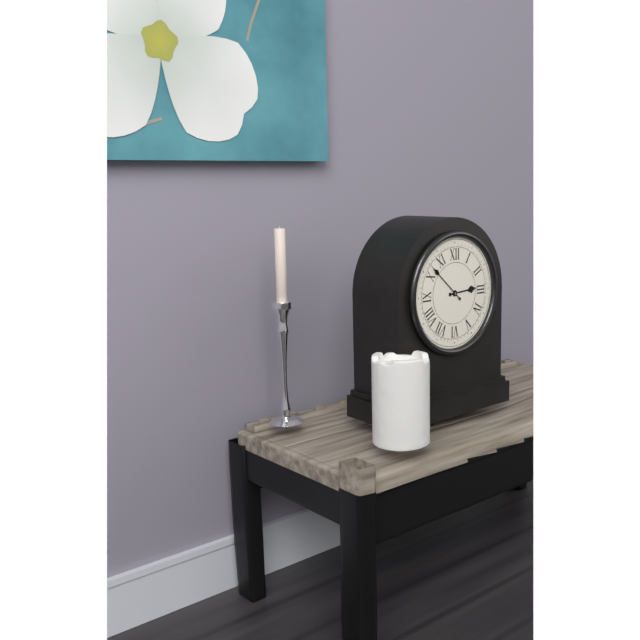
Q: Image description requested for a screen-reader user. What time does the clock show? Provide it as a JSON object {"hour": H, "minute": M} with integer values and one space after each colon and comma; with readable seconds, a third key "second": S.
{"hour": 2, "minute": 52}
